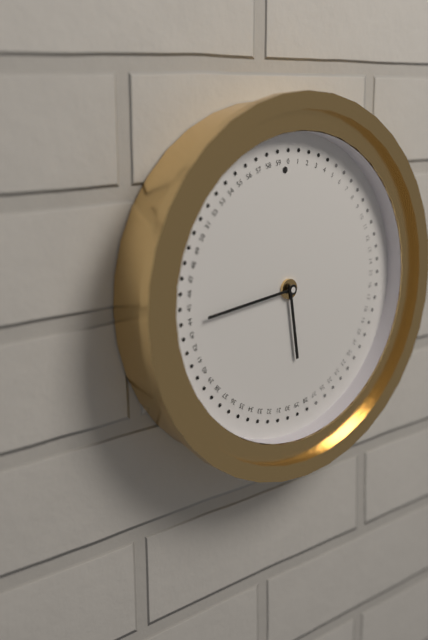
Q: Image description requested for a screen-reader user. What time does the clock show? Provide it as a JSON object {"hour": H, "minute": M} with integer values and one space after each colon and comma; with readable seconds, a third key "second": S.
{"hour": 5, "minute": 44}
